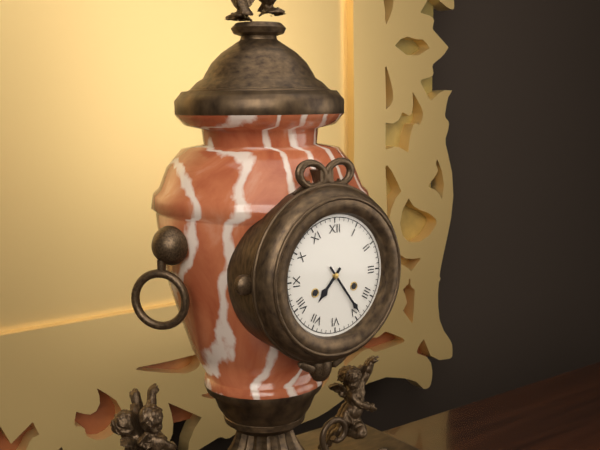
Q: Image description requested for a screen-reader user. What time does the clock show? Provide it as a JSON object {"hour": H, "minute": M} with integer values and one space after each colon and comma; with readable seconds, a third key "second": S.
{"hour": 7, "minute": 24}
